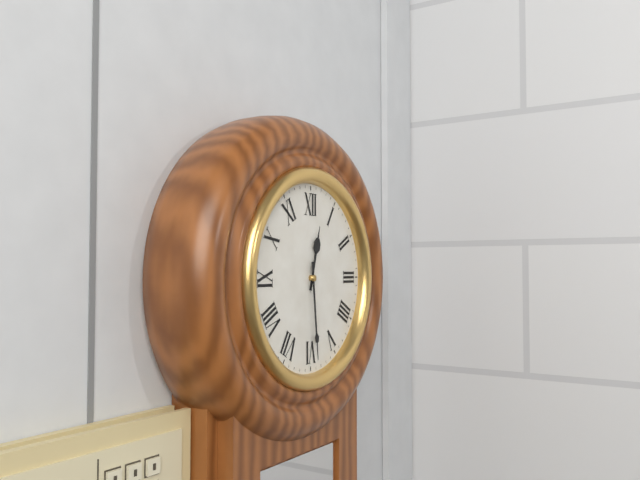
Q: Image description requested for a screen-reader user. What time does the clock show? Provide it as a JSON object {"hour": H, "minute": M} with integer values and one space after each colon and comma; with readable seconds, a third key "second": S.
{"hour": 12, "minute": 29}
